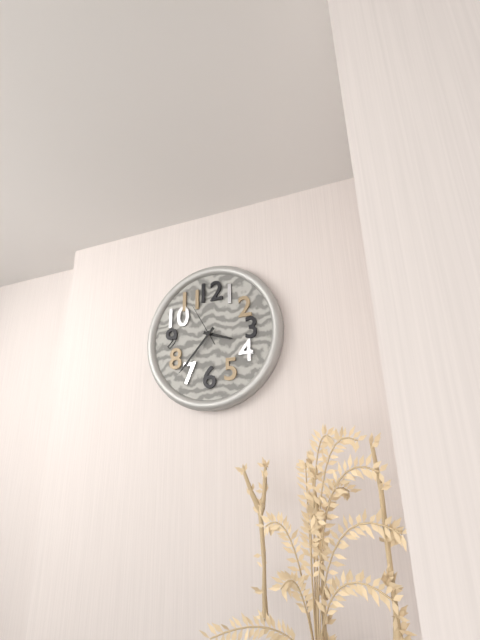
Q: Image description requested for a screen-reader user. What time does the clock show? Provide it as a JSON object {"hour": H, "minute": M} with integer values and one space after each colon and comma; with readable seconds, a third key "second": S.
{"hour": 3, "minute": 37}
